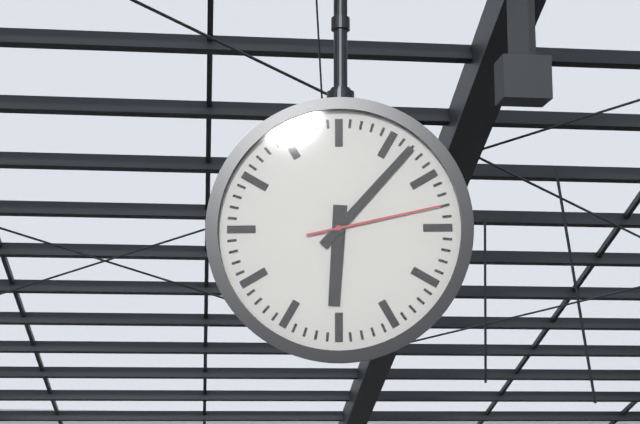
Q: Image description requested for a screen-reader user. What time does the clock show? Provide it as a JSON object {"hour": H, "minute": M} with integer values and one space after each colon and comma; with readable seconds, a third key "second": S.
{"hour": 6, "minute": 7, "second": 13}
